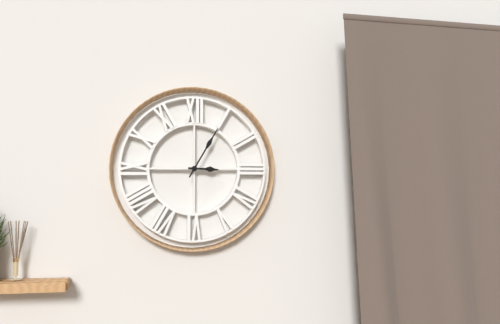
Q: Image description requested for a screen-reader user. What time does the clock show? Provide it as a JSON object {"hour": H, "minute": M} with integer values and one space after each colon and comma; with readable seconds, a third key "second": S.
{"hour": 3, "minute": 5}
